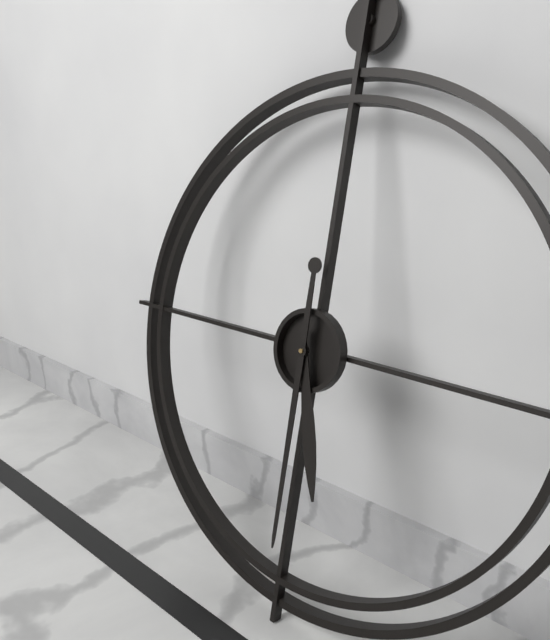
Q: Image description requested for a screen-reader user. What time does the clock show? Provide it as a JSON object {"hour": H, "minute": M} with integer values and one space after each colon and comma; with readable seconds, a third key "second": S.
{"hour": 5, "minute": 30}
